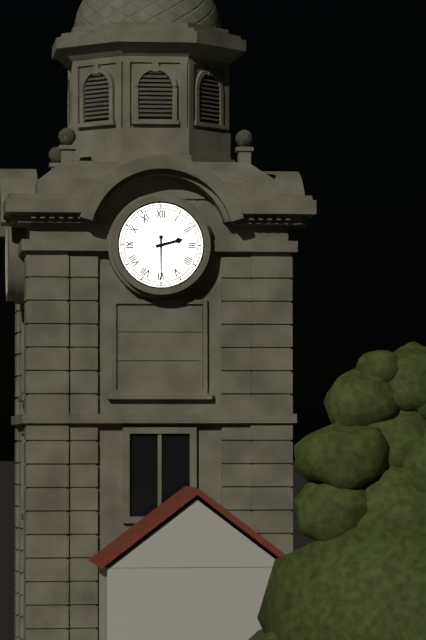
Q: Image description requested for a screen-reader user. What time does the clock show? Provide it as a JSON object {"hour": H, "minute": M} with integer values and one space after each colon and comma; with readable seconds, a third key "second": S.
{"hour": 2, "minute": 30}
